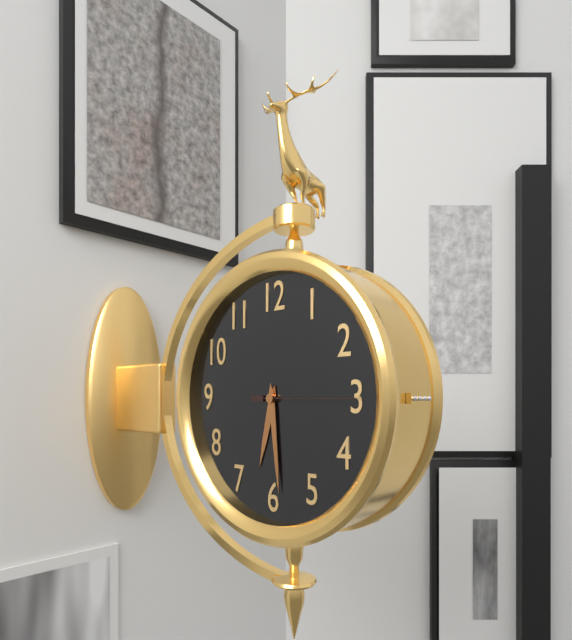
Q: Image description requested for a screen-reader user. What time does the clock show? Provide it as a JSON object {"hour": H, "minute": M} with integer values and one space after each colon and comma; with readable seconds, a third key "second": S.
{"hour": 6, "minute": 29, "second": 15}
